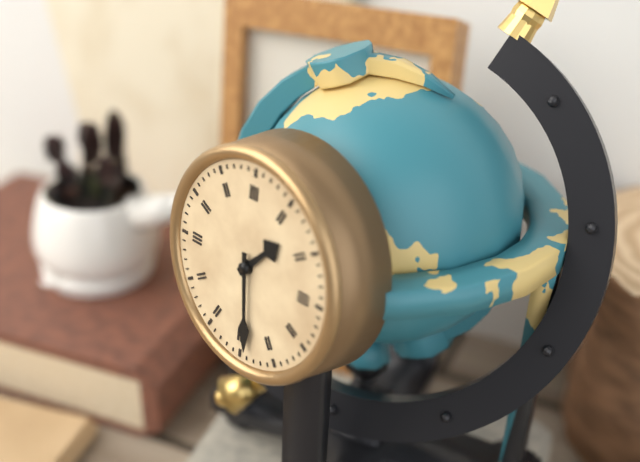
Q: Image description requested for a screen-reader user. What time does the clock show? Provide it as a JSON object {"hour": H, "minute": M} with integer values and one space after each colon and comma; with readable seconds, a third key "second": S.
{"hour": 1, "minute": 29}
